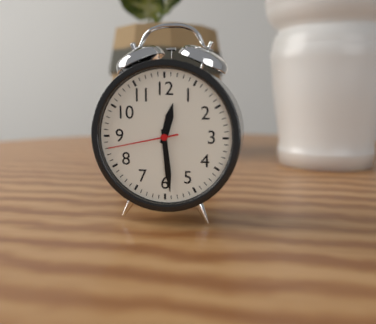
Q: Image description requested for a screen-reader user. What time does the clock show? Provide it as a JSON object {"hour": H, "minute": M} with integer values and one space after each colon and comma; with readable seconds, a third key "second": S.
{"hour": 12, "minute": 29, "second": 43}
